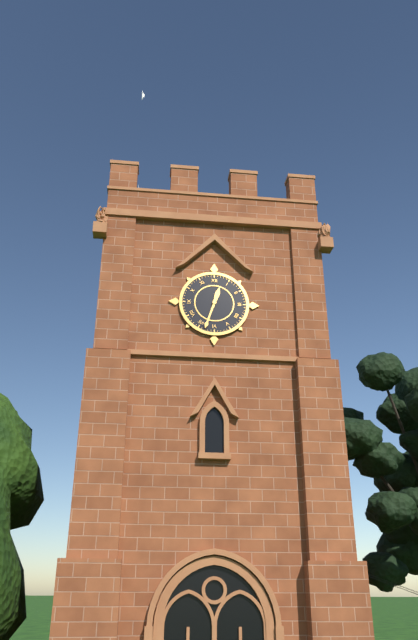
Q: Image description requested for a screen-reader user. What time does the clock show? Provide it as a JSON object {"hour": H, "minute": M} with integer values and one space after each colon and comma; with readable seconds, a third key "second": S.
{"hour": 12, "minute": 33}
